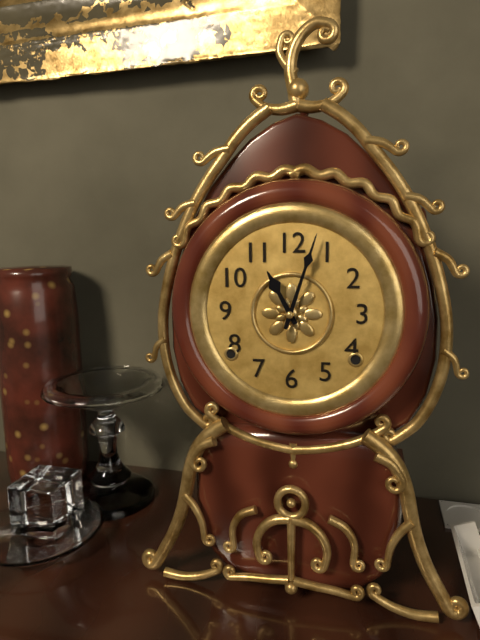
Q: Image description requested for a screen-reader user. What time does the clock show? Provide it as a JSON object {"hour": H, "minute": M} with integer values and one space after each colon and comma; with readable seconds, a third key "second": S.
{"hour": 11, "minute": 3}
